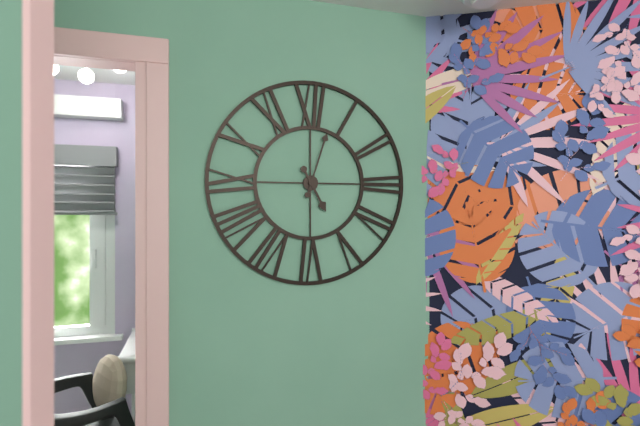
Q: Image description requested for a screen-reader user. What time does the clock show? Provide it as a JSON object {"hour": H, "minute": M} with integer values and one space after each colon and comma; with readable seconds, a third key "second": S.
{"hour": 5, "minute": 3}
